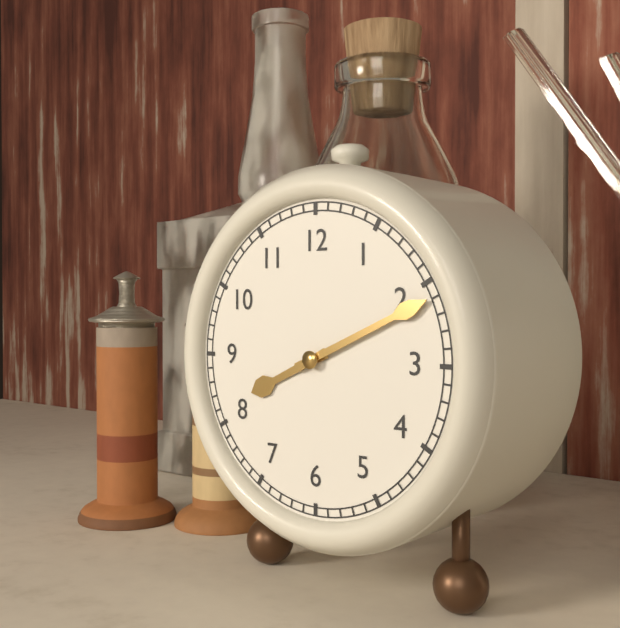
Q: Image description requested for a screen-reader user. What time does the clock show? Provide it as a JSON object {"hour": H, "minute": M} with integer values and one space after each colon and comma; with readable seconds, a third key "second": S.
{"hour": 8, "minute": 11}
